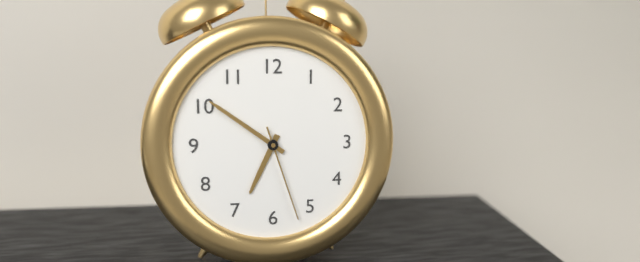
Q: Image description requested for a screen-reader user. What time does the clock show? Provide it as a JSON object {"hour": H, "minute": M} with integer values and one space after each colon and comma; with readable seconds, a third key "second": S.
{"hour": 6, "minute": 51, "second": 27}
